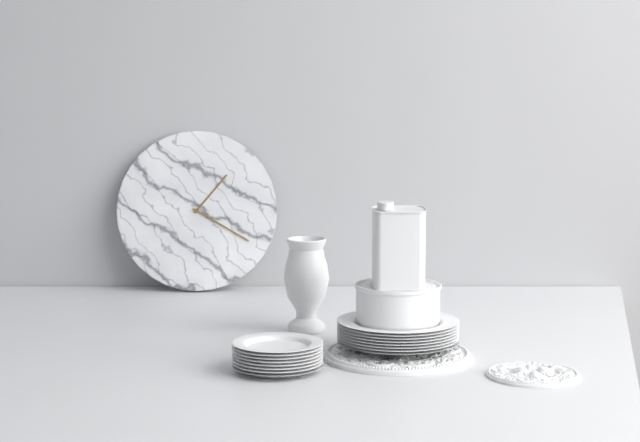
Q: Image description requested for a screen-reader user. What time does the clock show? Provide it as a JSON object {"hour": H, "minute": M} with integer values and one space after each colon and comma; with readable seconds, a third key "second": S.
{"hour": 1, "minute": 20}
